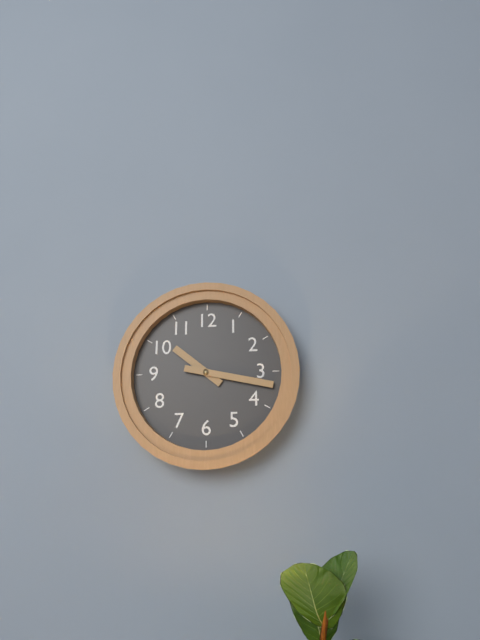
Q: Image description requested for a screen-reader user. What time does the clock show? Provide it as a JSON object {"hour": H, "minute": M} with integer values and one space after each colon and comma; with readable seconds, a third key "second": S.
{"hour": 10, "minute": 17}
